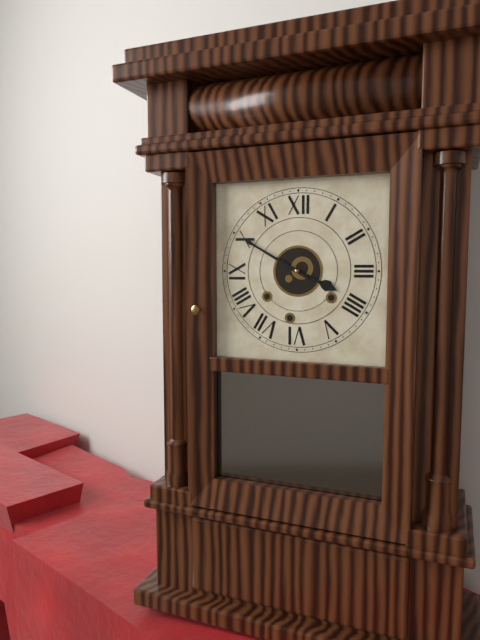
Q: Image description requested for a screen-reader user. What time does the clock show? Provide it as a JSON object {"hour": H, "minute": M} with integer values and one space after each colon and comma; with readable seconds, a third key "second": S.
{"hour": 3, "minute": 50}
